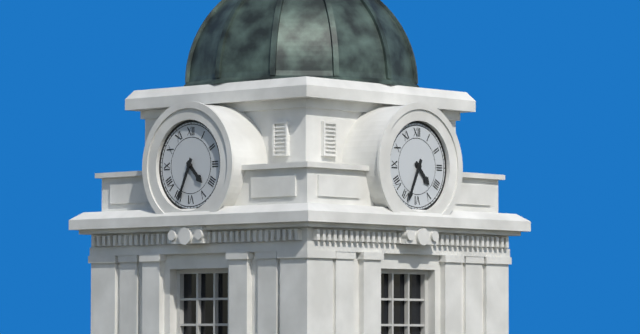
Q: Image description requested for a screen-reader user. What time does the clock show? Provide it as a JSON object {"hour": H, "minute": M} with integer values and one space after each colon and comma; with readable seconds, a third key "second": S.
{"hour": 4, "minute": 34}
